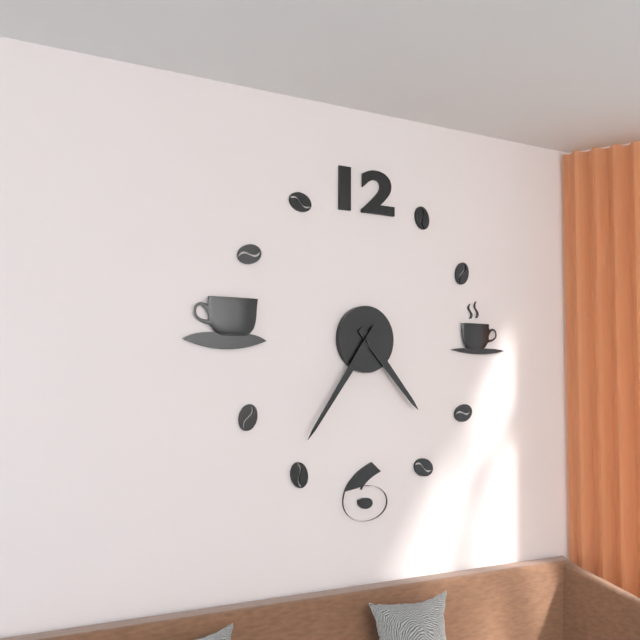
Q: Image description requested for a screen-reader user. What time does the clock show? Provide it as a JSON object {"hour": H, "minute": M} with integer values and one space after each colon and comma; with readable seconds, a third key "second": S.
{"hour": 4, "minute": 36}
